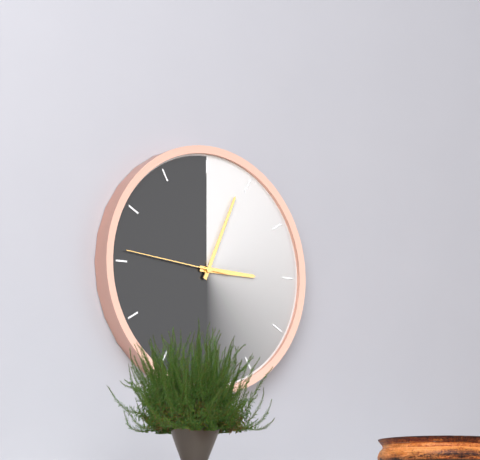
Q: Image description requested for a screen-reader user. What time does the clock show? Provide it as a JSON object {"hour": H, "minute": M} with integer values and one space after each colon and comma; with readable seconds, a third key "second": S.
{"hour": 3, "minute": 4, "second": 46}
